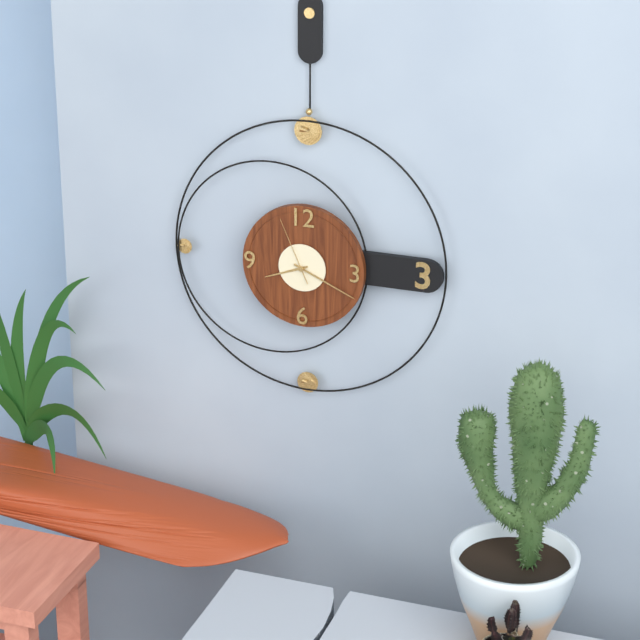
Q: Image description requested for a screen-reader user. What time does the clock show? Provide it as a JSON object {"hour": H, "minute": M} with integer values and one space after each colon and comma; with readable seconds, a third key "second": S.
{"hour": 8, "minute": 19, "second": 56}
